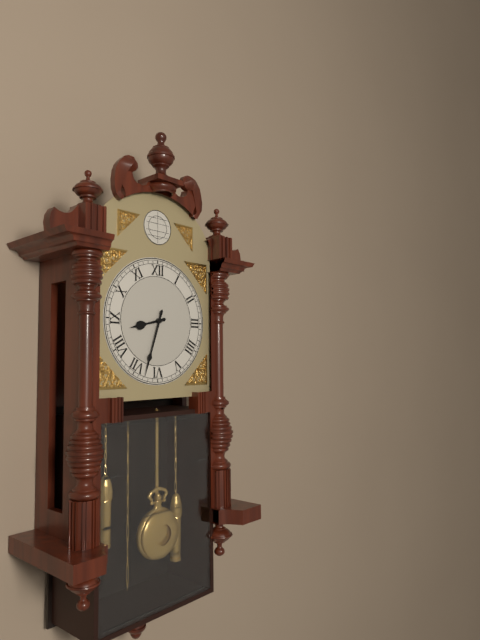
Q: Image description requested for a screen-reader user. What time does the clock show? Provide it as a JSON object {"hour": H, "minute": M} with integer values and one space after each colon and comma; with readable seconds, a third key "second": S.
{"hour": 8, "minute": 33}
